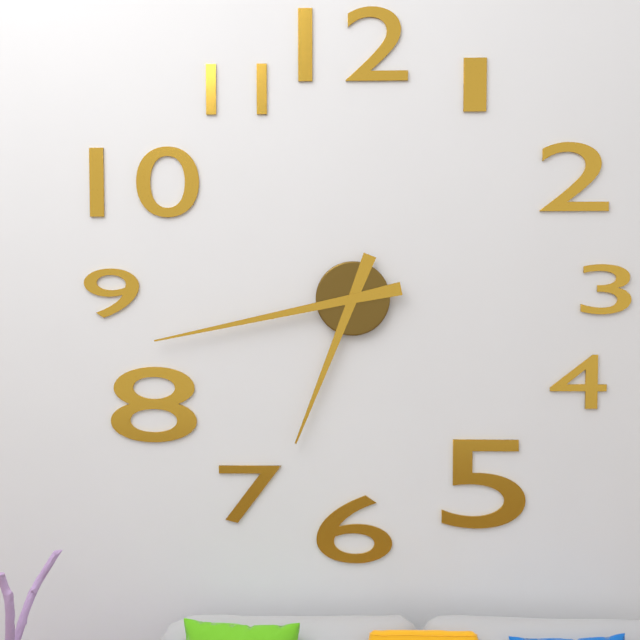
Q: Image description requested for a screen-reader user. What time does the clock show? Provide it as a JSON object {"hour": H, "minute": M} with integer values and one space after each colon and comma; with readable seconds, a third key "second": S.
{"hour": 6, "minute": 43}
